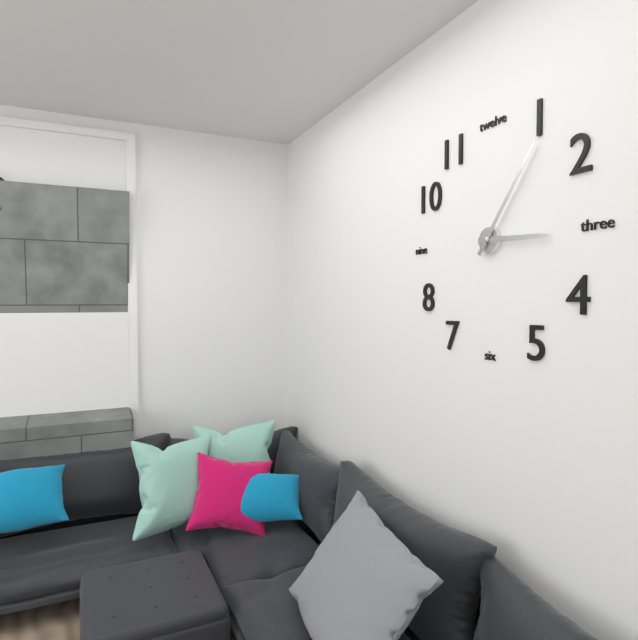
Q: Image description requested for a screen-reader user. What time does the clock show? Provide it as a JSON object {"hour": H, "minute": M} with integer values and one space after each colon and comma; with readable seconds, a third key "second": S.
{"hour": 3, "minute": 6}
